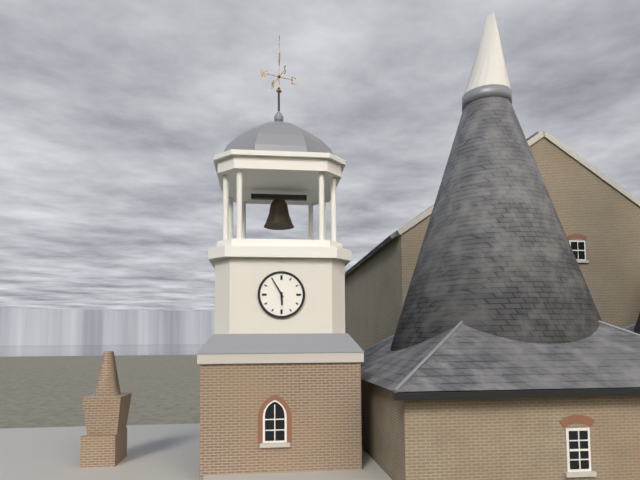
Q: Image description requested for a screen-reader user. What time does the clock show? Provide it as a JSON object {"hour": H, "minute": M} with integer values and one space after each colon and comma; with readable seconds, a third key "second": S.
{"hour": 5, "minute": 55}
